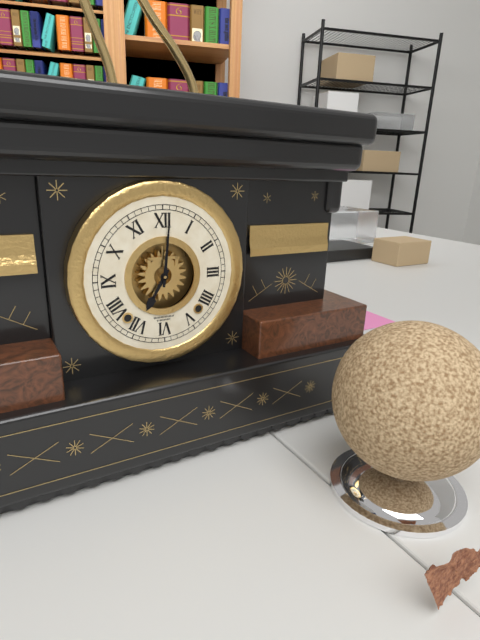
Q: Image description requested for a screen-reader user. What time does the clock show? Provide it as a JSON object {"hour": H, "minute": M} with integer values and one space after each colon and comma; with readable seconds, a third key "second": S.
{"hour": 7, "minute": 1}
